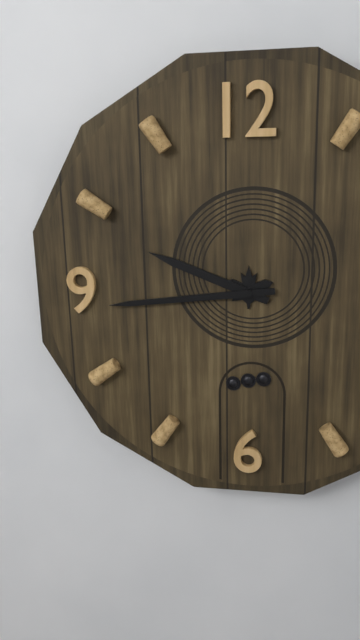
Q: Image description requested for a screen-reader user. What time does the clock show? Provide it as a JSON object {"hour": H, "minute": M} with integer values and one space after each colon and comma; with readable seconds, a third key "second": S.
{"hour": 9, "minute": 44}
